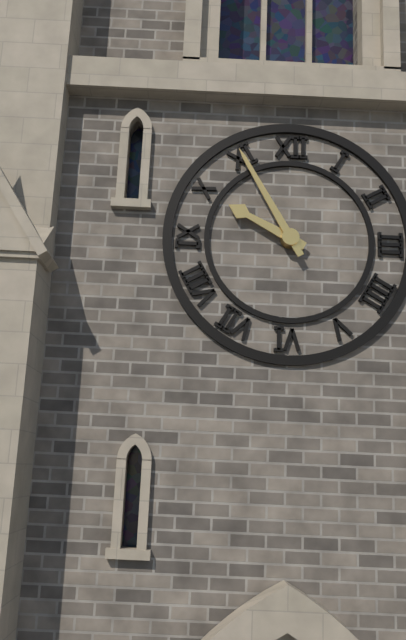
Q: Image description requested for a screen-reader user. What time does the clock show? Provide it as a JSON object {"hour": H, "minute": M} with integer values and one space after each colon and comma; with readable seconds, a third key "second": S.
{"hour": 9, "minute": 55}
